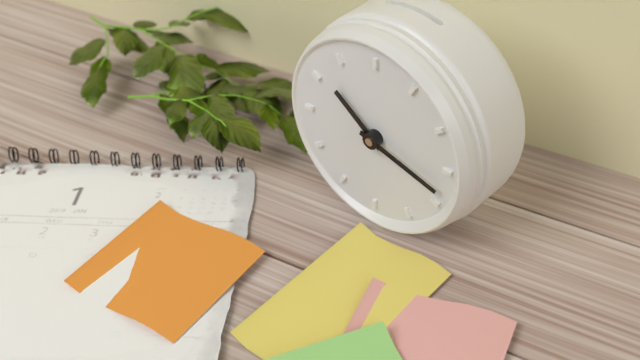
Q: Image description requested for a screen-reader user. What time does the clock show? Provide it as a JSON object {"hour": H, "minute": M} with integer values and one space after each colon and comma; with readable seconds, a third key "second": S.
{"hour": 10, "minute": 18}
